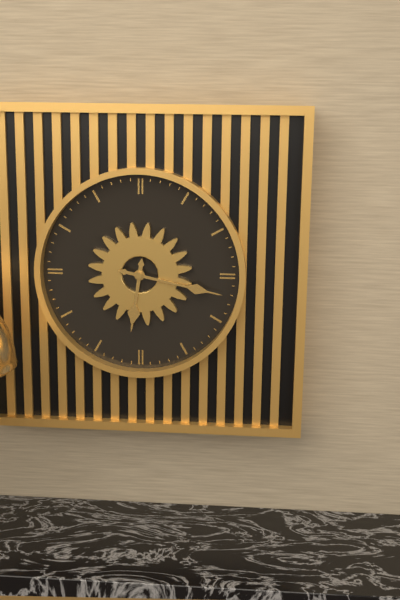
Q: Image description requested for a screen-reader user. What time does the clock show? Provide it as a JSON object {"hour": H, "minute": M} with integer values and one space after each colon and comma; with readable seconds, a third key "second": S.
{"hour": 6, "minute": 17}
